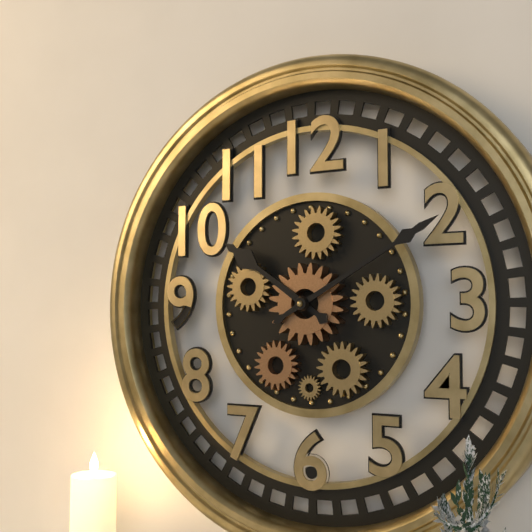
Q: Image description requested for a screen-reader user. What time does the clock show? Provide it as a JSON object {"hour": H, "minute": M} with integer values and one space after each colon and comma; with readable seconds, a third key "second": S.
{"hour": 10, "minute": 10}
